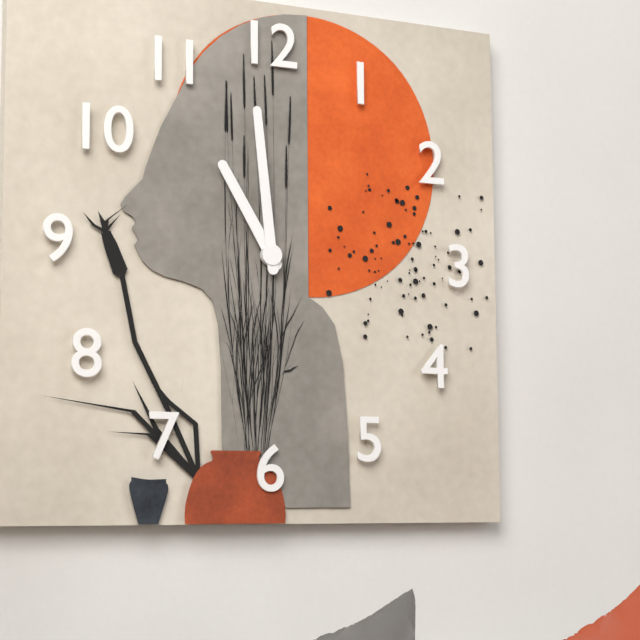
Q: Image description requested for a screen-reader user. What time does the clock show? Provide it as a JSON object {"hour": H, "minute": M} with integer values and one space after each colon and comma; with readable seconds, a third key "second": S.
{"hour": 10, "minute": 59}
